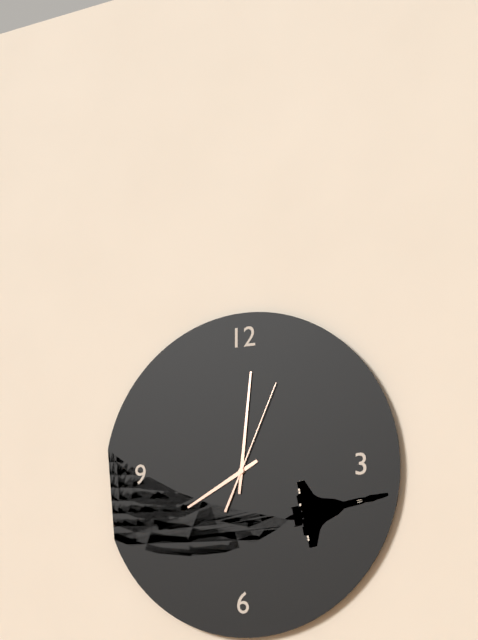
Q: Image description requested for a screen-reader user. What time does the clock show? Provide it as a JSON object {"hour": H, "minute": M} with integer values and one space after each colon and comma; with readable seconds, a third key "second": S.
{"hour": 8, "minute": 1, "second": 4}
